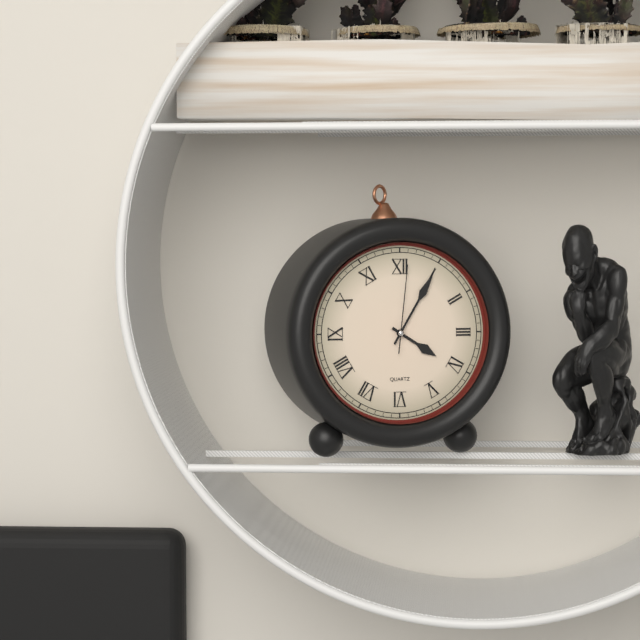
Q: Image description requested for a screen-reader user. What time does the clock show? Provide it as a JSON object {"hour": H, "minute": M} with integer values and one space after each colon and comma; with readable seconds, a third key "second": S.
{"hour": 4, "minute": 5, "second": 1}
